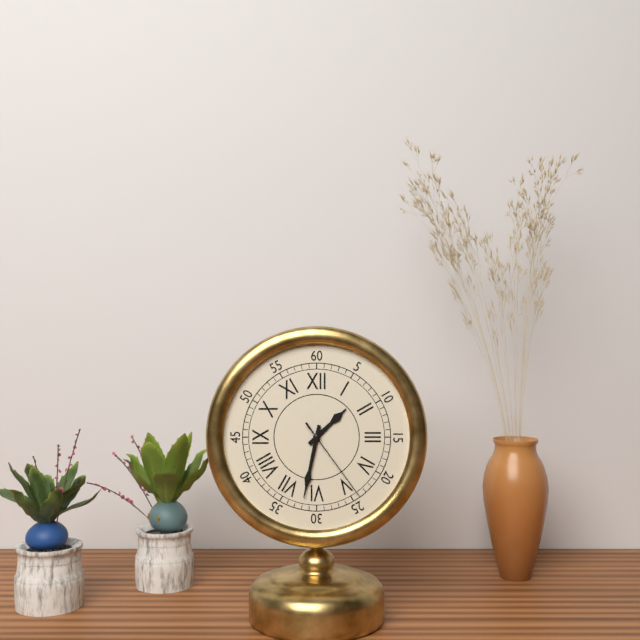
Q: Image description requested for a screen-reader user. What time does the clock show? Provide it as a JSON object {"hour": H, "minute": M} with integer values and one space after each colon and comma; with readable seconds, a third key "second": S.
{"hour": 1, "minute": 32, "second": 24}
